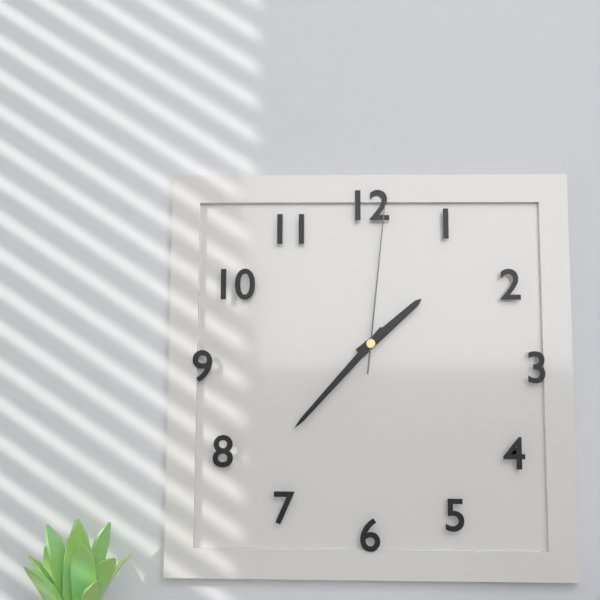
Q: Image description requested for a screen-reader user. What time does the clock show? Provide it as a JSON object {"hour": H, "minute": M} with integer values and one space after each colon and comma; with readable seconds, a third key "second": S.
{"hour": 1, "minute": 37, "second": 1}
